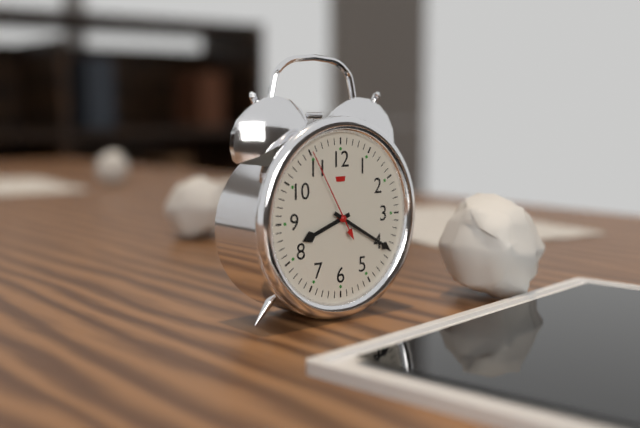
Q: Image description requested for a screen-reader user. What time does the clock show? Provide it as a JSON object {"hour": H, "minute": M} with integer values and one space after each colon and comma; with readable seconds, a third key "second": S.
{"hour": 8, "minute": 20, "second": 55}
